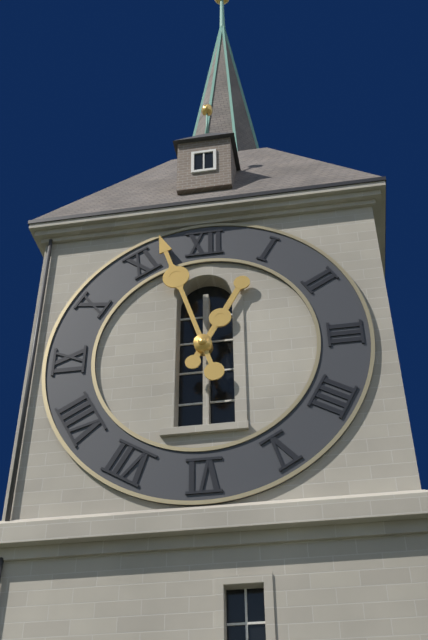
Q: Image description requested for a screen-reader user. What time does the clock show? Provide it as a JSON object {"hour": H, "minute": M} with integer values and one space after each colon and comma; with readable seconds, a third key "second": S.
{"hour": 12, "minute": 57}
